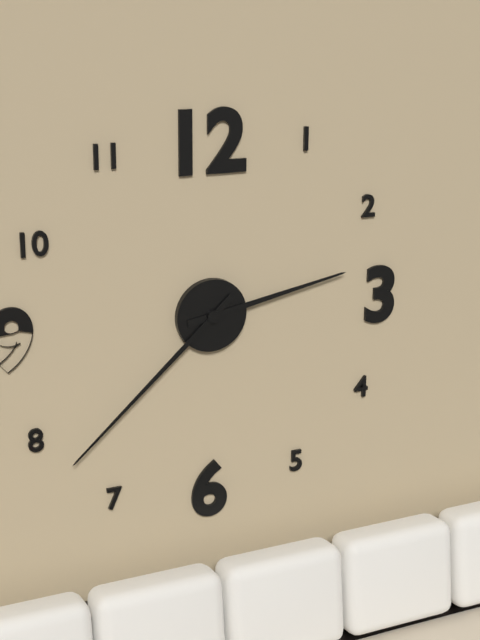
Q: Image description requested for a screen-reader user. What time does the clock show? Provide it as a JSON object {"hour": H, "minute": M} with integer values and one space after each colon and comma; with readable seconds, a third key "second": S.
{"hour": 2, "minute": 38}
